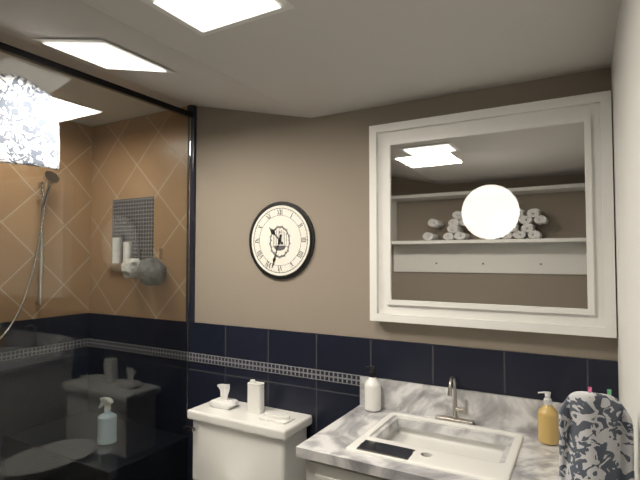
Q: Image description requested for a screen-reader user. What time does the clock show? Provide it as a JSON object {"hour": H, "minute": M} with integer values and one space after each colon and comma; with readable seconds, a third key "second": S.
{"hour": 10, "minute": 33}
